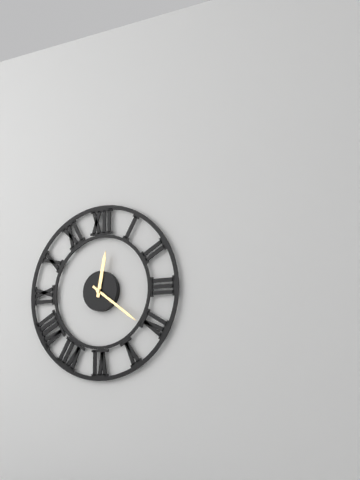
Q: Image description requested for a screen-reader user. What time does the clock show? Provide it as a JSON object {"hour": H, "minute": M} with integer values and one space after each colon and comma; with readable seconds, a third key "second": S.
{"hour": 12, "minute": 21}
